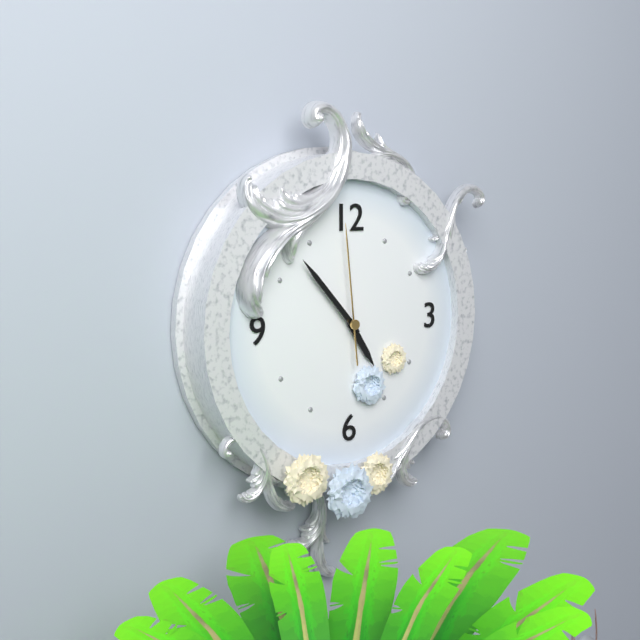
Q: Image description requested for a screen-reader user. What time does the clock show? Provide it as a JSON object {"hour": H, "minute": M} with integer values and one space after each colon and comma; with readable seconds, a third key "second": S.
{"hour": 4, "minute": 53, "second": 59}
